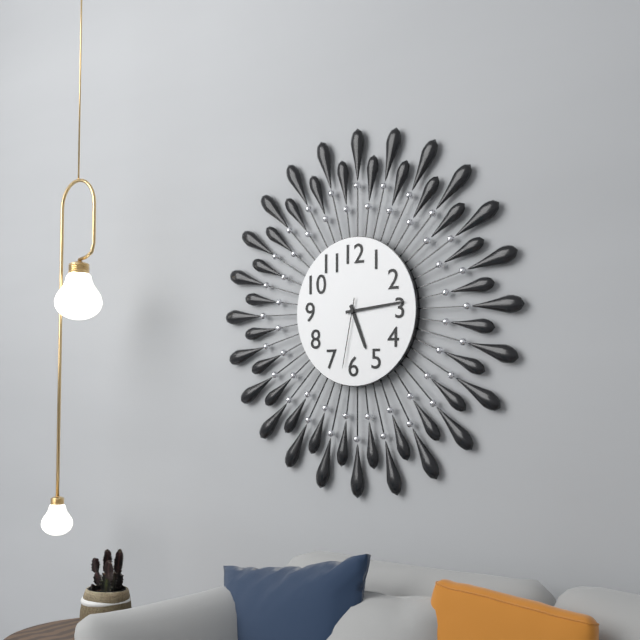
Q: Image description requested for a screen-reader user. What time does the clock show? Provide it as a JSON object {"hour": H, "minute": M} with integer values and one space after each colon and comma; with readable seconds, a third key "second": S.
{"hour": 5, "minute": 14, "second": 32}
